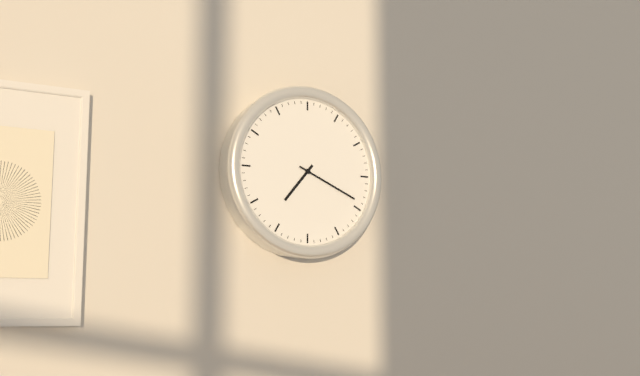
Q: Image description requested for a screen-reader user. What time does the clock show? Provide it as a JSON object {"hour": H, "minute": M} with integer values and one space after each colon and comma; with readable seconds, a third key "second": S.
{"hour": 7, "minute": 19}
